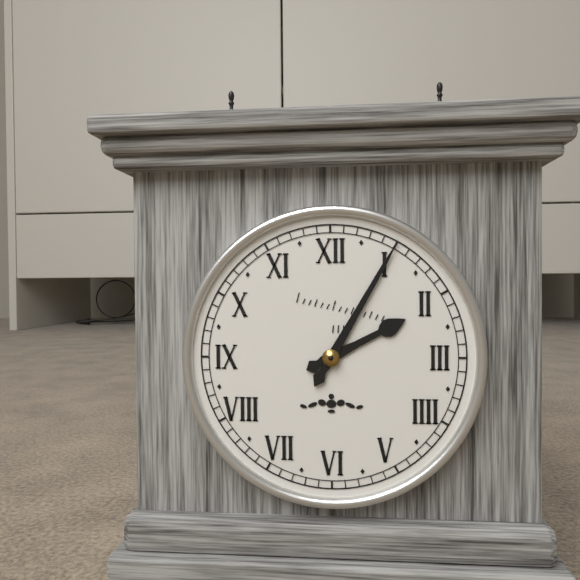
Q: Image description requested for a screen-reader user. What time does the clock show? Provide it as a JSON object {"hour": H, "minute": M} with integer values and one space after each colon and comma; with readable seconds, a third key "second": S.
{"hour": 2, "minute": 5}
